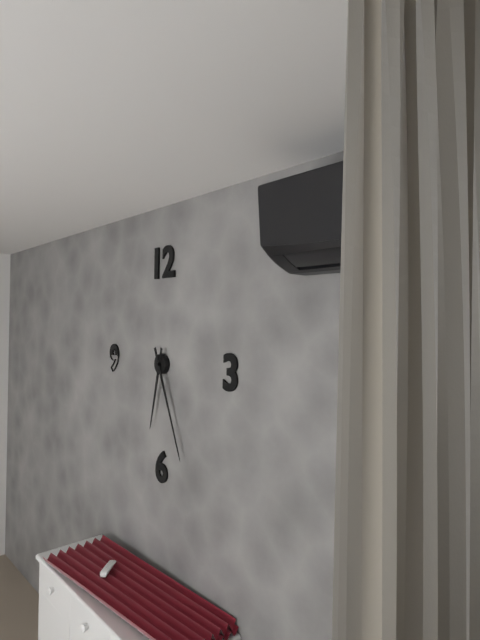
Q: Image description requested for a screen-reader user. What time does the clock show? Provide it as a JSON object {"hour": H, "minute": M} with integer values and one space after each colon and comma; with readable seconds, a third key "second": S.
{"hour": 6, "minute": 26}
